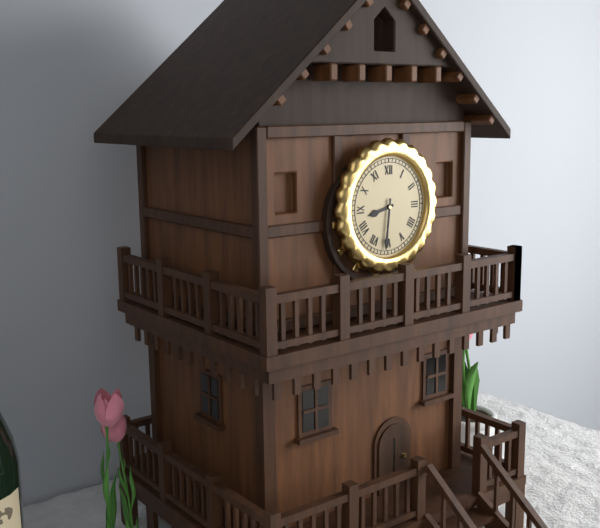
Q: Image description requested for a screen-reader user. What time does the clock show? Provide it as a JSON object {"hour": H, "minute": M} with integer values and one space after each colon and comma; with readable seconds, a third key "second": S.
{"hour": 8, "minute": 31}
